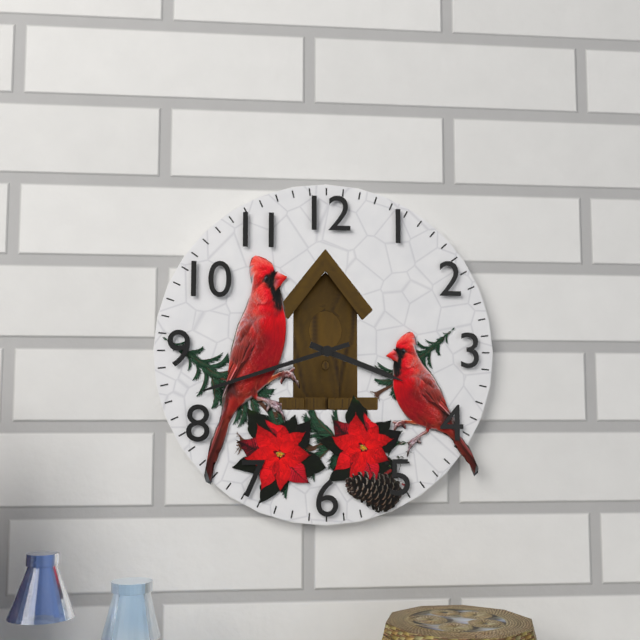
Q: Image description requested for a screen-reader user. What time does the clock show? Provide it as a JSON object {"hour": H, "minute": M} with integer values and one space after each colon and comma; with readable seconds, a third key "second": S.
{"hour": 3, "minute": 42}
